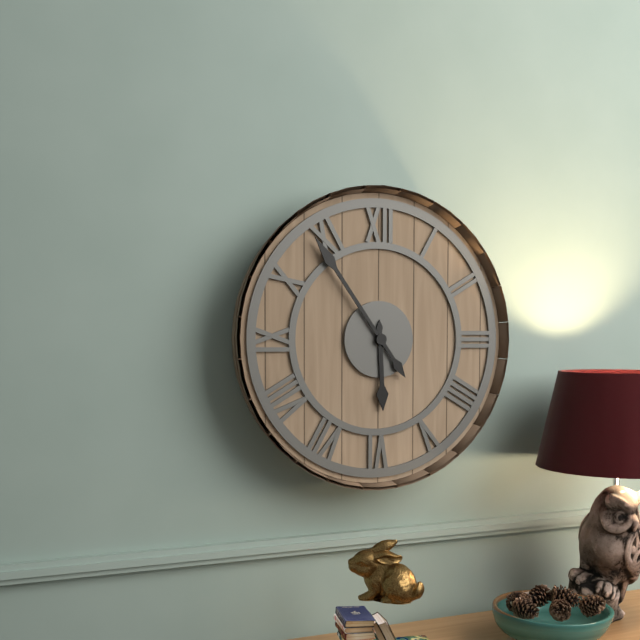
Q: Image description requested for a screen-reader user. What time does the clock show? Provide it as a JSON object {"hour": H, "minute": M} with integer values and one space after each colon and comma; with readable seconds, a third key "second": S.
{"hour": 5, "minute": 54}
